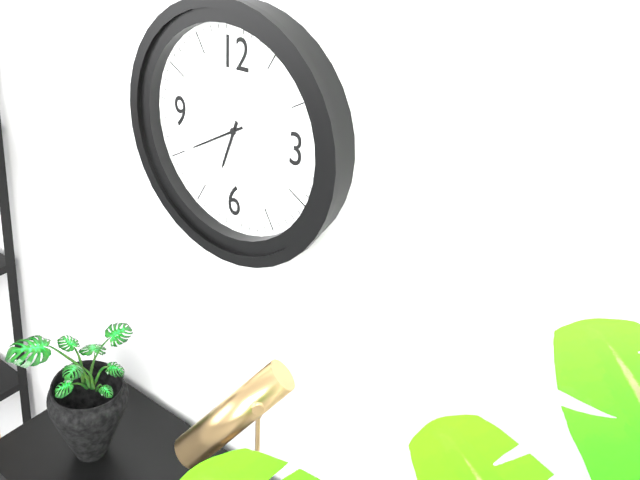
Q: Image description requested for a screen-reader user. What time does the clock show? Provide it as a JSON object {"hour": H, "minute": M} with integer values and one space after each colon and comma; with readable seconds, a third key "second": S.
{"hour": 6, "minute": 40}
